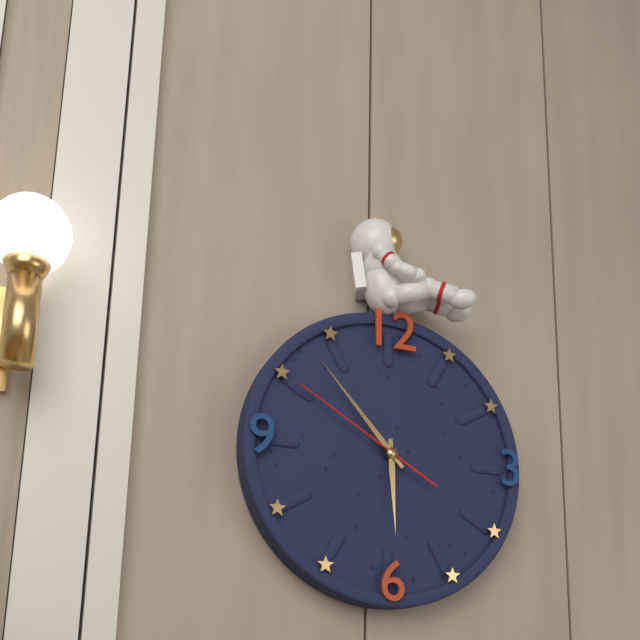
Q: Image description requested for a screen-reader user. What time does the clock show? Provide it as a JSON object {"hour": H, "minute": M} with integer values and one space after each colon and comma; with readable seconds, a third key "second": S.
{"hour": 5, "minute": 53, "second": 50}
